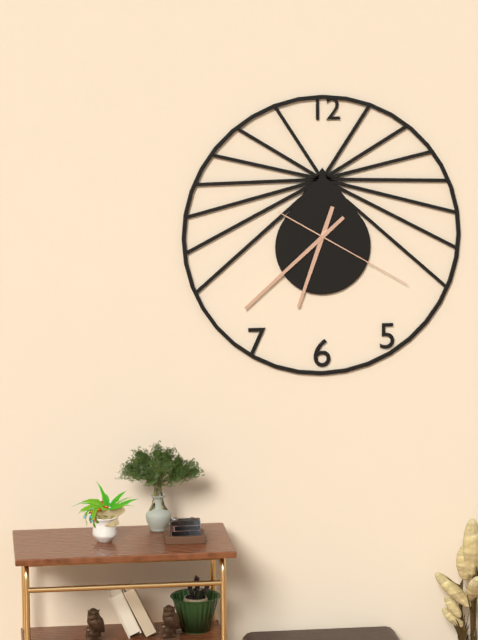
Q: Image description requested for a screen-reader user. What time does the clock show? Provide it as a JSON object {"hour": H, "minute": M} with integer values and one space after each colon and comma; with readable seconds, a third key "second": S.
{"hour": 6, "minute": 38, "second": 20}
